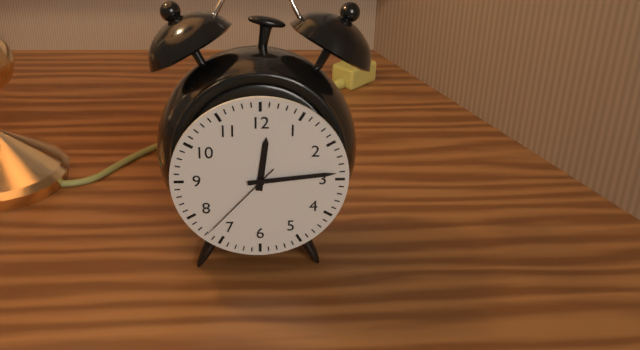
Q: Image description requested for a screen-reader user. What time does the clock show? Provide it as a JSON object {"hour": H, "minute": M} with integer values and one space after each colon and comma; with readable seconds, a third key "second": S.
{"hour": 12, "minute": 14, "second": 37}
